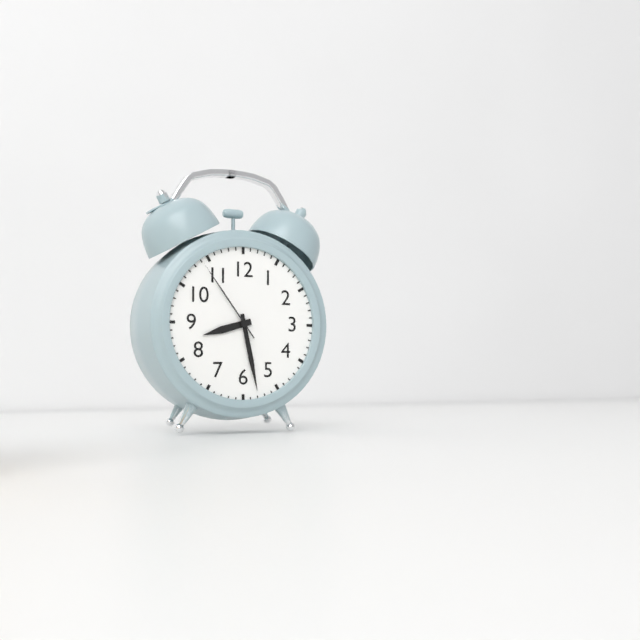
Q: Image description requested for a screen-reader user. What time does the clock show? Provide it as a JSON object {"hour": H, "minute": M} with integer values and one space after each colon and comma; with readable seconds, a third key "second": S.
{"hour": 8, "minute": 28, "second": 54}
